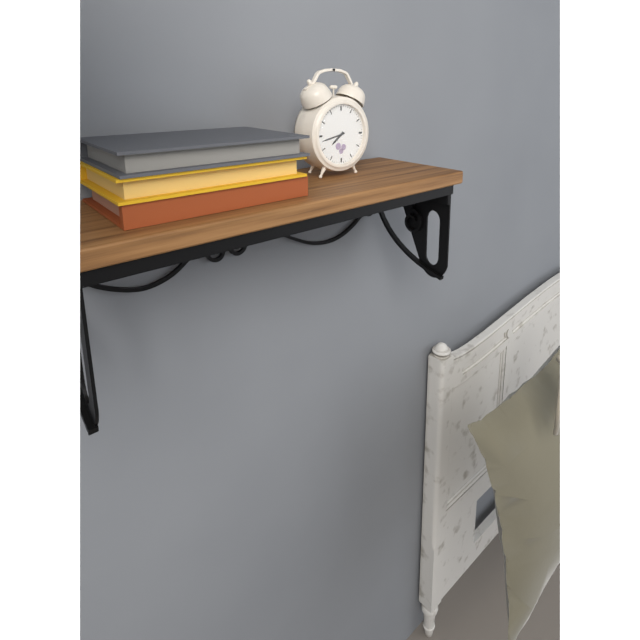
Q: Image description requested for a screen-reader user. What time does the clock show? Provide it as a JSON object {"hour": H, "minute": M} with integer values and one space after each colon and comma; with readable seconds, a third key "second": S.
{"hour": 7, "minute": 43}
